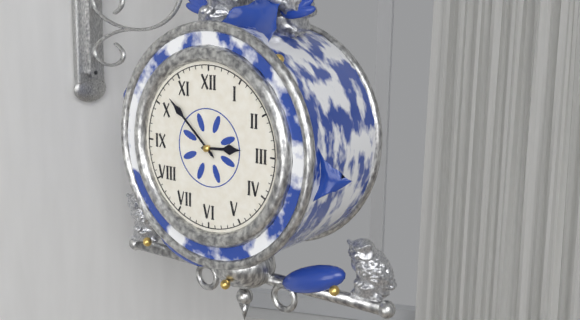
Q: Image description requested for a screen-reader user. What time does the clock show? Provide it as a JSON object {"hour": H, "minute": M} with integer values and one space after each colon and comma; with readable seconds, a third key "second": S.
{"hour": 2, "minute": 52}
